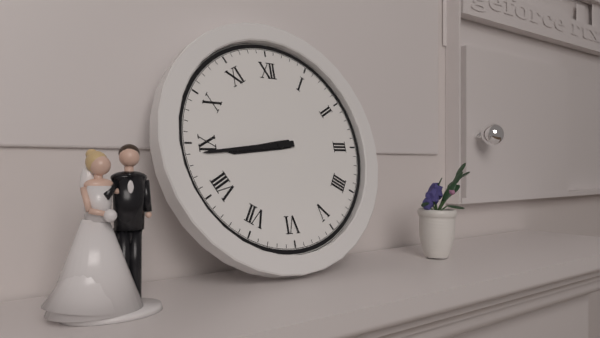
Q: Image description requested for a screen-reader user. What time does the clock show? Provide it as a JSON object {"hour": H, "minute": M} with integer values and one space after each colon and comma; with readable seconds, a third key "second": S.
{"hour": 8, "minute": 44}
